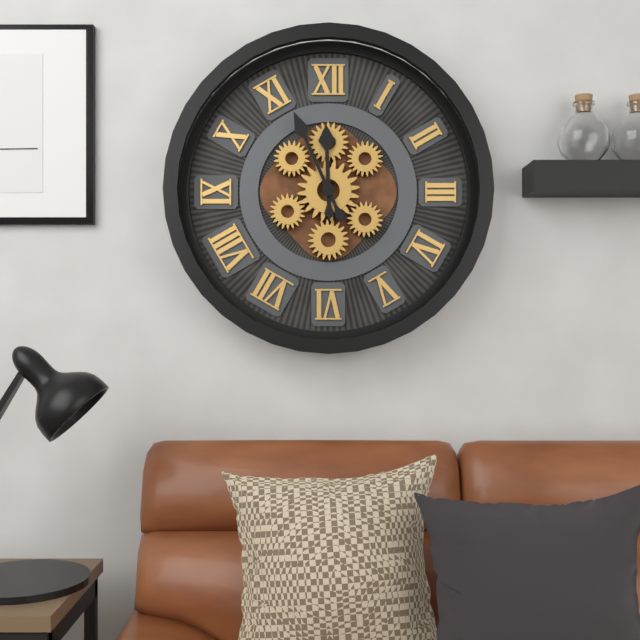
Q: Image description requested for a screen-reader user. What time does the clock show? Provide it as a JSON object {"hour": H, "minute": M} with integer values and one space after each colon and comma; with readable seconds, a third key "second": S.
{"hour": 11, "minute": 56}
